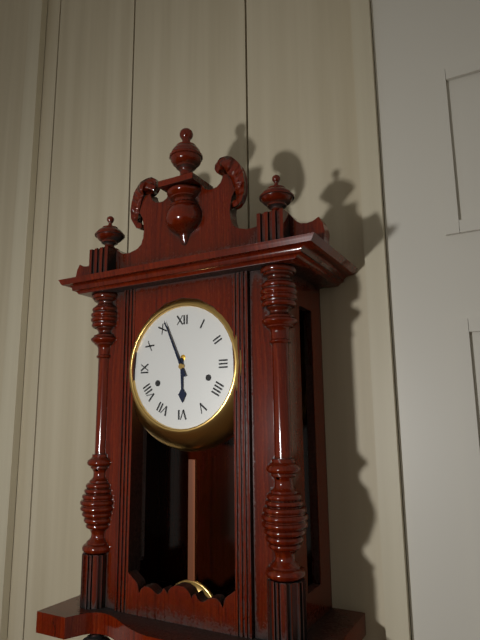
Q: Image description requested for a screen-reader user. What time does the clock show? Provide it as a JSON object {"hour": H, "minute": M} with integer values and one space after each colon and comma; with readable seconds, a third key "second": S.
{"hour": 5, "minute": 56}
